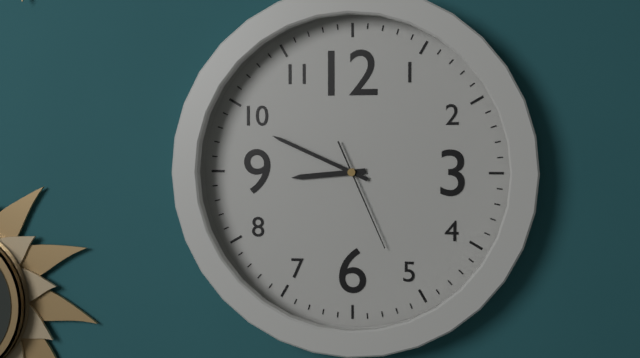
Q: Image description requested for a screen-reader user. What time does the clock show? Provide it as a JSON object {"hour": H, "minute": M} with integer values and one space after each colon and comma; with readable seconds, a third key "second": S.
{"hour": 8, "minute": 49, "second": 26}
